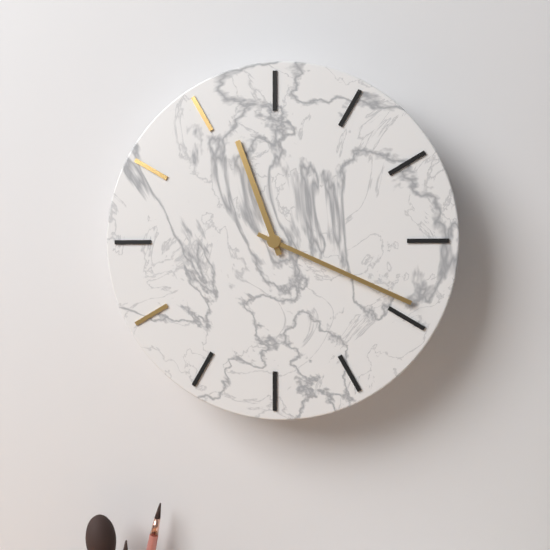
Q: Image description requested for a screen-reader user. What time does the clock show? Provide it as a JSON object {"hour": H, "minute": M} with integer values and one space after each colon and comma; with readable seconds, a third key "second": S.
{"hour": 11, "minute": 19}
